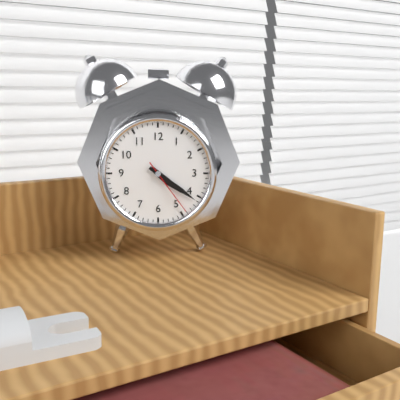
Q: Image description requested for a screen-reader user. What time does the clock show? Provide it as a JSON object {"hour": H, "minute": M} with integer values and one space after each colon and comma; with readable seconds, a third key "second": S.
{"hour": 4, "minute": 21, "second": 24}
